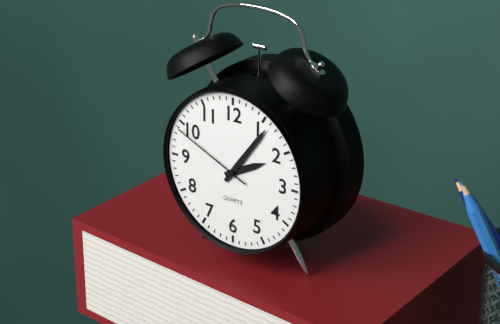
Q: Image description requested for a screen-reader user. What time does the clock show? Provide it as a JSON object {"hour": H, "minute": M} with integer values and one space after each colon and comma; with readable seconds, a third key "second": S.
{"hour": 2, "minute": 6, "second": 49}
